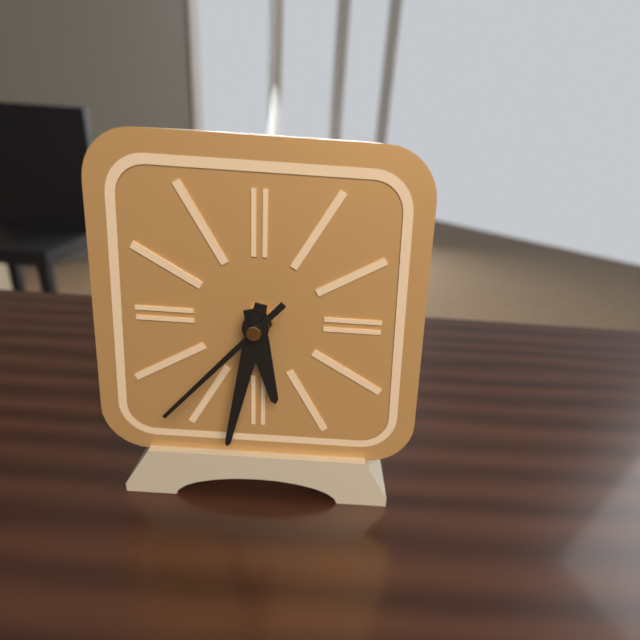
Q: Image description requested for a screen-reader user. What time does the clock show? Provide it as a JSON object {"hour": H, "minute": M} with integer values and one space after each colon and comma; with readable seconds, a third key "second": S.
{"hour": 5, "minute": 32, "second": 37}
